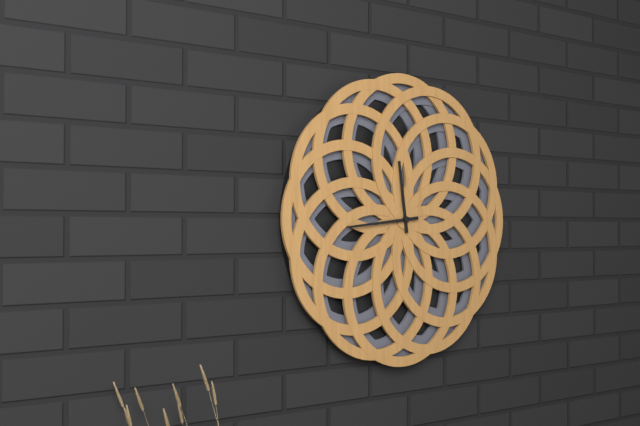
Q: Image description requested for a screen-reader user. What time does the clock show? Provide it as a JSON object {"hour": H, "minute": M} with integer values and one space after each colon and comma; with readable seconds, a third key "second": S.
{"hour": 11, "minute": 44}
